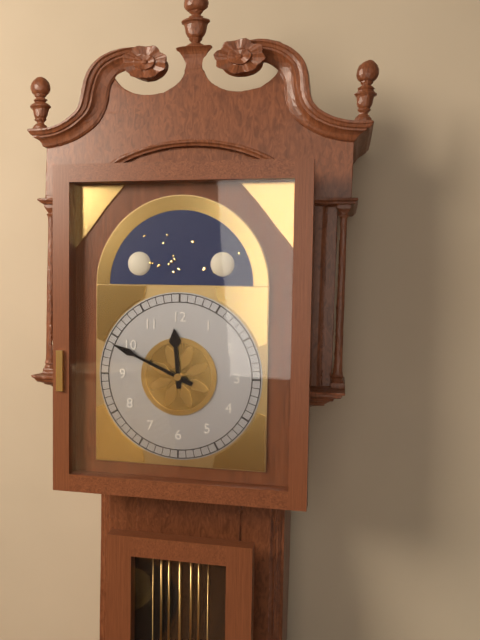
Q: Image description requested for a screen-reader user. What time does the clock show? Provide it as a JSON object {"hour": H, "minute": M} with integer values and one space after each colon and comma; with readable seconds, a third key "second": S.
{"hour": 11, "minute": 49}
